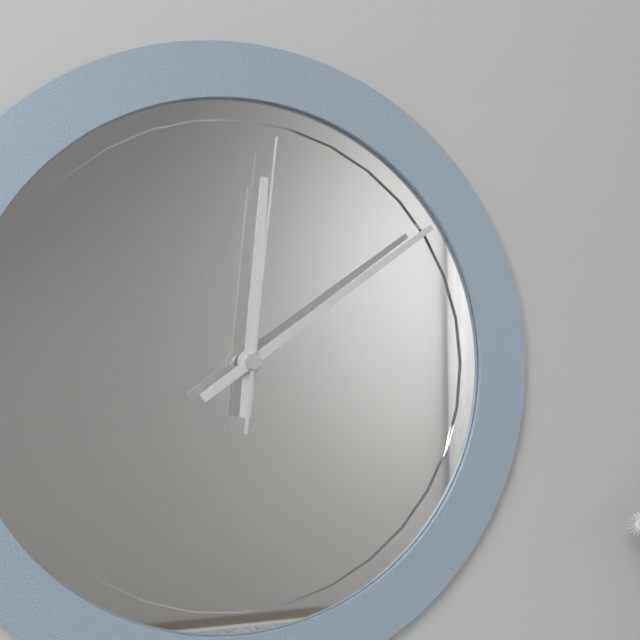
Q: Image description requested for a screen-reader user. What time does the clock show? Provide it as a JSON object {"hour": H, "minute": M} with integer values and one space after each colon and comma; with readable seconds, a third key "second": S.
{"hour": 12, "minute": 9, "second": 1}
